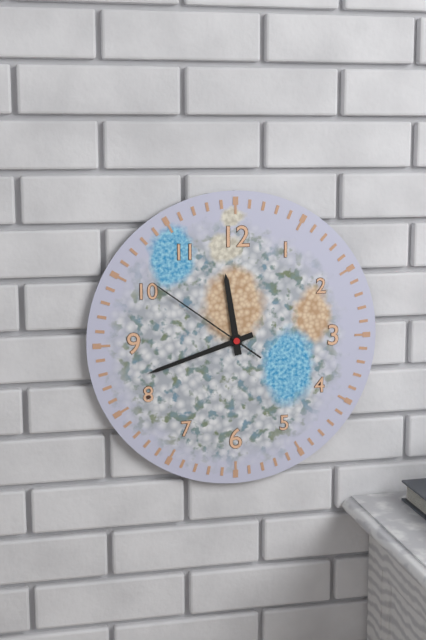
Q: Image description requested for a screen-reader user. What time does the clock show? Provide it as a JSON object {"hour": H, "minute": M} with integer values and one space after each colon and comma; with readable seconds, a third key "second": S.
{"hour": 11, "minute": 42, "second": 51}
